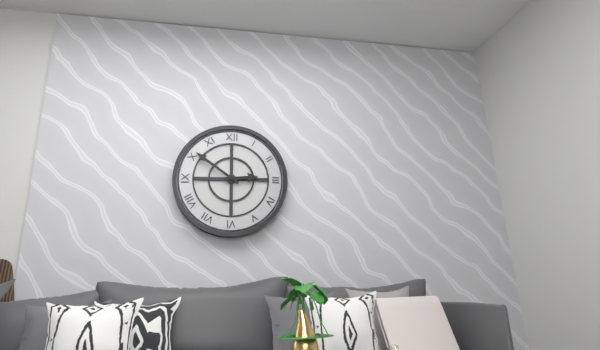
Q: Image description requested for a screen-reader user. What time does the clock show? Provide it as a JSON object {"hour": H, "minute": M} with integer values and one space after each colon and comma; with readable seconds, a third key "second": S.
{"hour": 2, "minute": 51}
